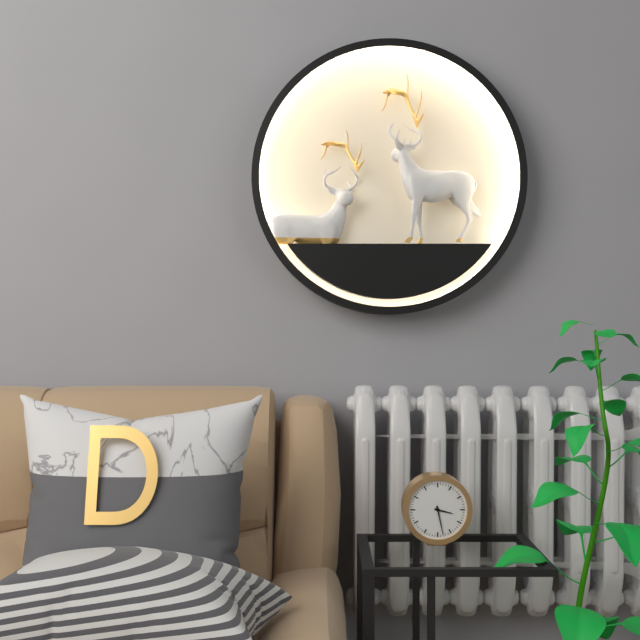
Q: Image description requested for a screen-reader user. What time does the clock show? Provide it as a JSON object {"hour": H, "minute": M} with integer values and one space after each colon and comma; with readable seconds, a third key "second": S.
{"hour": 3, "minute": 28}
